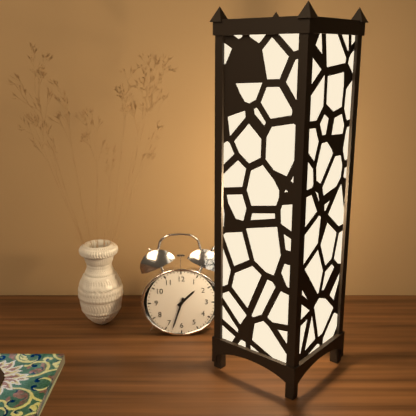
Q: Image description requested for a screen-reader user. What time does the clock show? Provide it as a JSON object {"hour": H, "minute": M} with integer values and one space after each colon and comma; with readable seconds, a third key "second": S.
{"hour": 1, "minute": 33}
